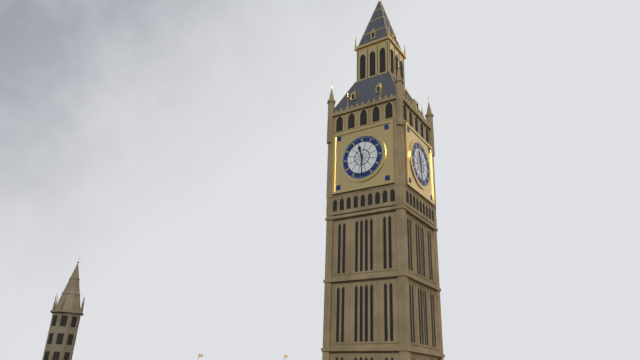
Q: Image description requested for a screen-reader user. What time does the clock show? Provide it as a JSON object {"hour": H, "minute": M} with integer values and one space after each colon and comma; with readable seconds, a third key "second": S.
{"hour": 11, "minute": 30}
